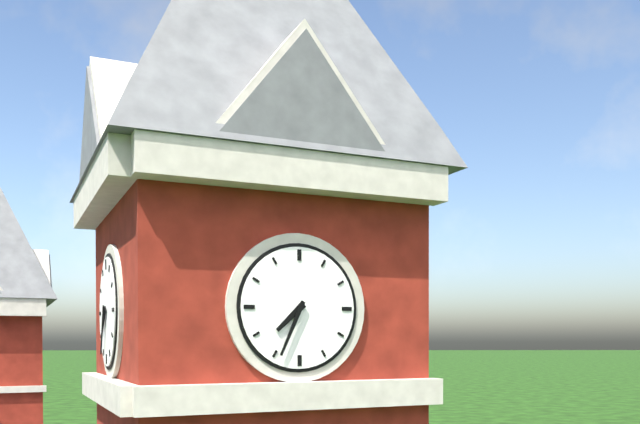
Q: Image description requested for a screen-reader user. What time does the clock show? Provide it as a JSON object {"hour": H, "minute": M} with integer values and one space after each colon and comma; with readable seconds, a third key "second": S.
{"hour": 7, "minute": 34}
